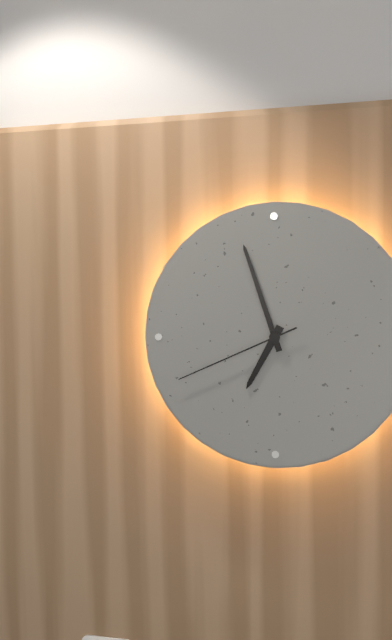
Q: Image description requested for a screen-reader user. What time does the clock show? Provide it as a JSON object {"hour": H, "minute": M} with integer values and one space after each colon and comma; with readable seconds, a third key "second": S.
{"hour": 6, "minute": 57, "second": 41}
